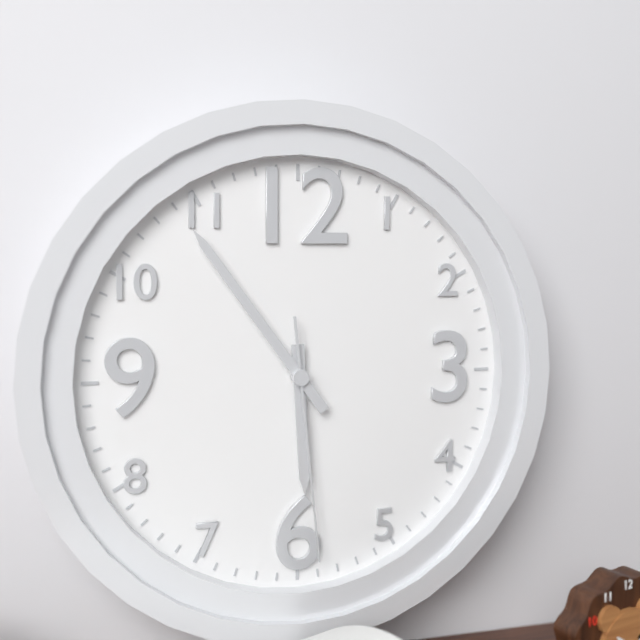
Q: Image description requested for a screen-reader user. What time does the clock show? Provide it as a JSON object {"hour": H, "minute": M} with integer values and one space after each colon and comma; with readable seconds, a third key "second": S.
{"hour": 5, "minute": 54, "second": 29}
